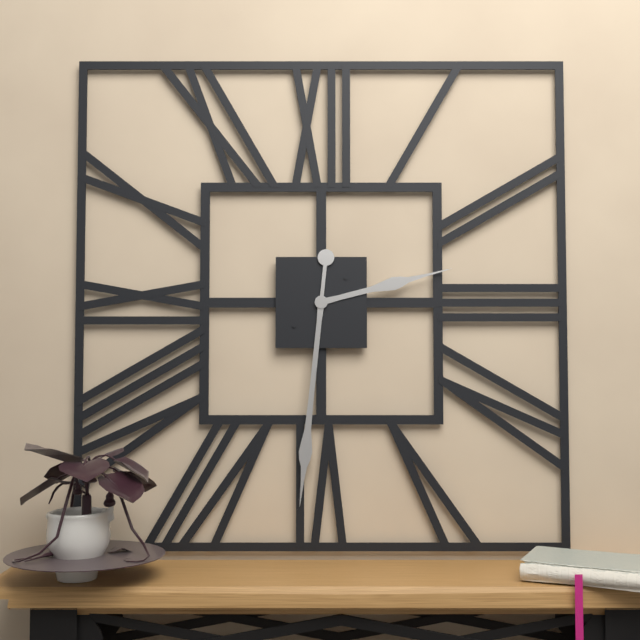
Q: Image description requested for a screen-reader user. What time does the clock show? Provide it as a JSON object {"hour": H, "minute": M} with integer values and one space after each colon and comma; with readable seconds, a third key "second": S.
{"hour": 2, "minute": 31}
